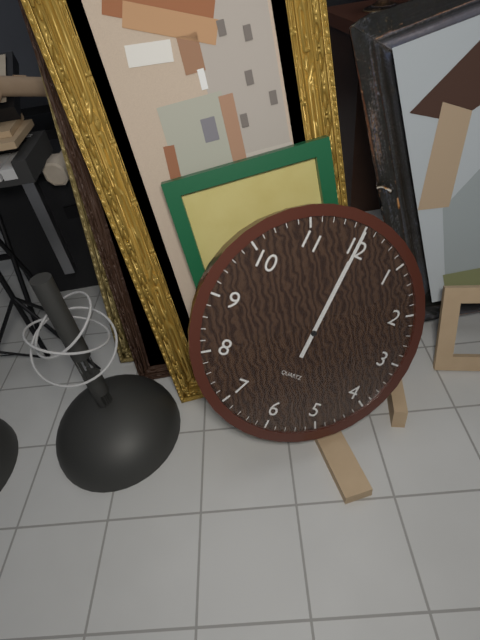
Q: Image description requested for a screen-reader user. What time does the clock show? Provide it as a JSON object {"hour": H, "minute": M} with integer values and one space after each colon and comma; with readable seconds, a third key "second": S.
{"hour": 12, "minute": 0}
